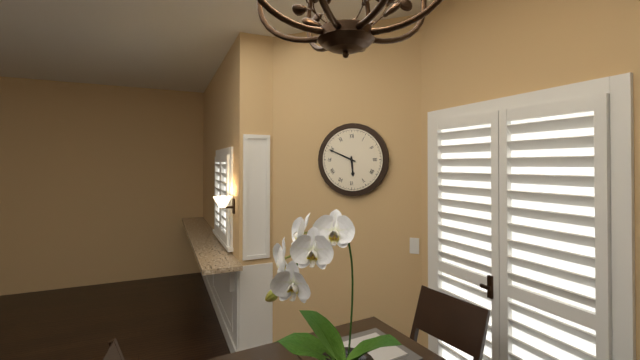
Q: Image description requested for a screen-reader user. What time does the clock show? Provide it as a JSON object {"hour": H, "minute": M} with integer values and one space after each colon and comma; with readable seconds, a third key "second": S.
{"hour": 5, "minute": 49}
